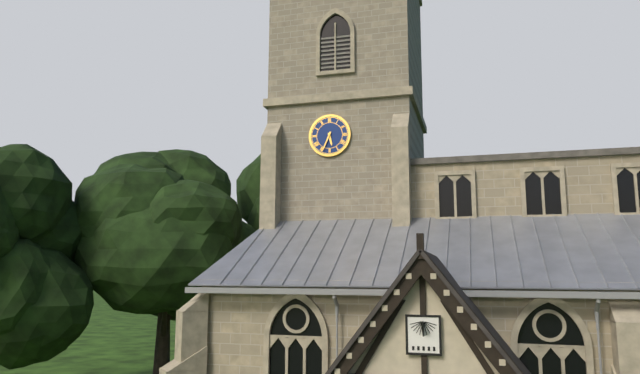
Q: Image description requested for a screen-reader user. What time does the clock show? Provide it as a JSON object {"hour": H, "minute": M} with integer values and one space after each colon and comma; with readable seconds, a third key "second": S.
{"hour": 5, "minute": 34}
